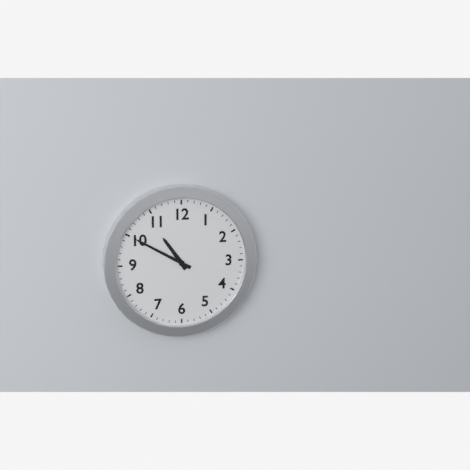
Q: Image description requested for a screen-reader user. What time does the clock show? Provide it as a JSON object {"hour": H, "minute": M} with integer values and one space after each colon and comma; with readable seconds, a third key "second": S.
{"hour": 10, "minute": 50}
